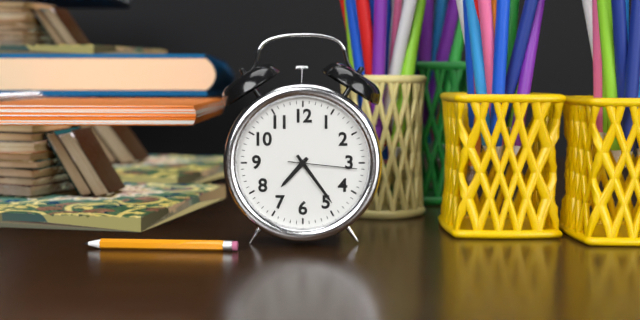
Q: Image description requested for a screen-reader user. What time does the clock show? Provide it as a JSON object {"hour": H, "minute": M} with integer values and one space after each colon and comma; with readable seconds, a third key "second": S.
{"hour": 7, "minute": 24, "second": 16}
